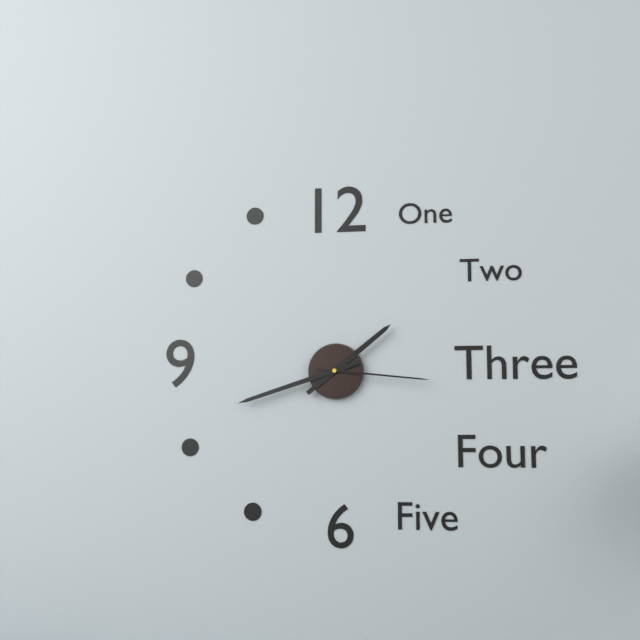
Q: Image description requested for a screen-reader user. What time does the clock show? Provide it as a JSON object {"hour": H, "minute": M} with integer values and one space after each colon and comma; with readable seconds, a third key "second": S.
{"hour": 1, "minute": 42, "second": 16}
